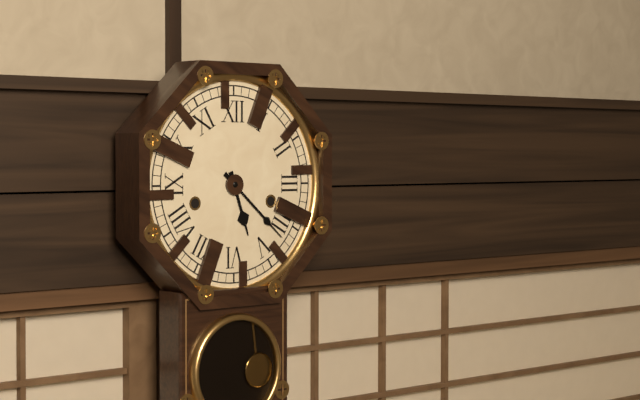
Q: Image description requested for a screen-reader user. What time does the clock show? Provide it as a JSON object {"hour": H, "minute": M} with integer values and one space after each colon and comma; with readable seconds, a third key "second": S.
{"hour": 5, "minute": 22}
